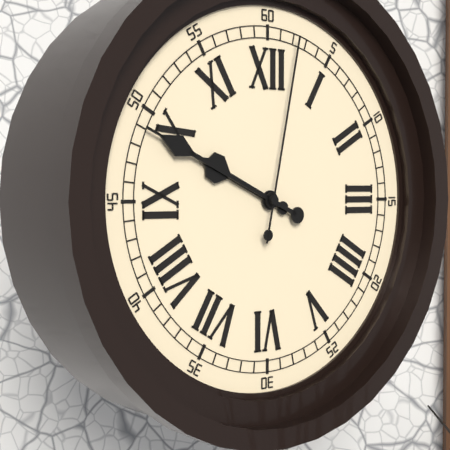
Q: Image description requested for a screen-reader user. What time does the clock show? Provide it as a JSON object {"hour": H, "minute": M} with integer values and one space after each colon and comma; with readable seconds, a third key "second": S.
{"hour": 9, "minute": 49, "second": 2}
